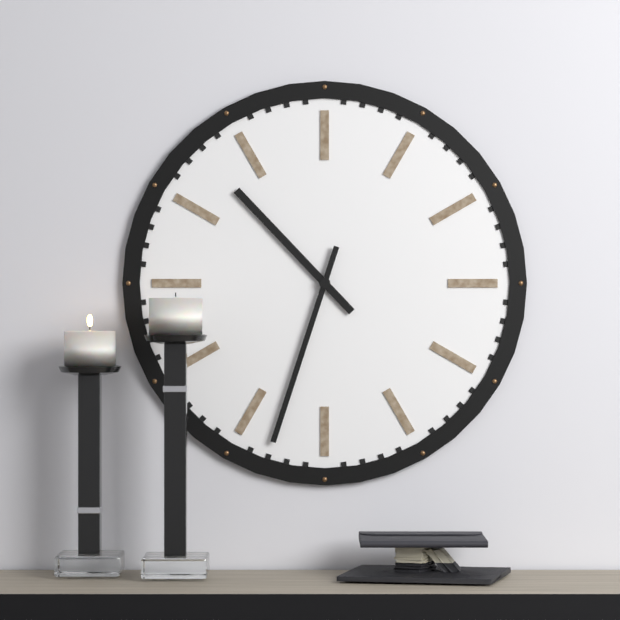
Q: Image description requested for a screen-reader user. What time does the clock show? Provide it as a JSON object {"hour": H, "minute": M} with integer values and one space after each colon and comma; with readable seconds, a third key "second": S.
{"hour": 10, "minute": 33}
